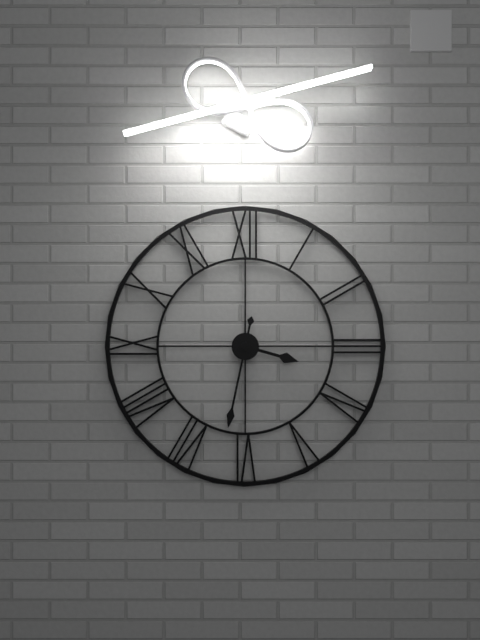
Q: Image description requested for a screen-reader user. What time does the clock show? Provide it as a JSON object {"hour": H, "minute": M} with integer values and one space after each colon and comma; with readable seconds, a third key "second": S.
{"hour": 3, "minute": 32}
